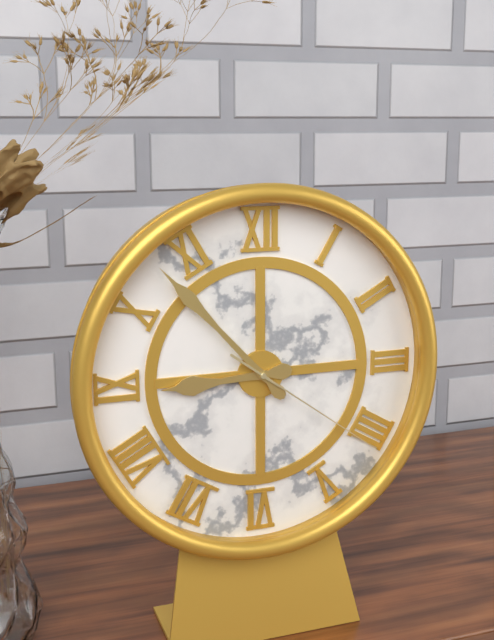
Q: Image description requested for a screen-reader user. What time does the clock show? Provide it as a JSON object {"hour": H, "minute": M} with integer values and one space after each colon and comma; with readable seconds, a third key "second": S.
{"hour": 8, "minute": 53, "second": 21}
